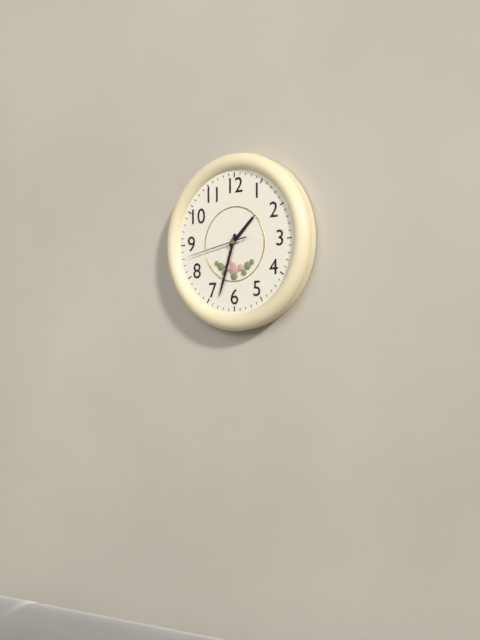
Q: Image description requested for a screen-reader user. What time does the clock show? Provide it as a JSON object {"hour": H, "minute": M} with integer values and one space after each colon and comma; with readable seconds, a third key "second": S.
{"hour": 1, "minute": 33, "second": 43}
